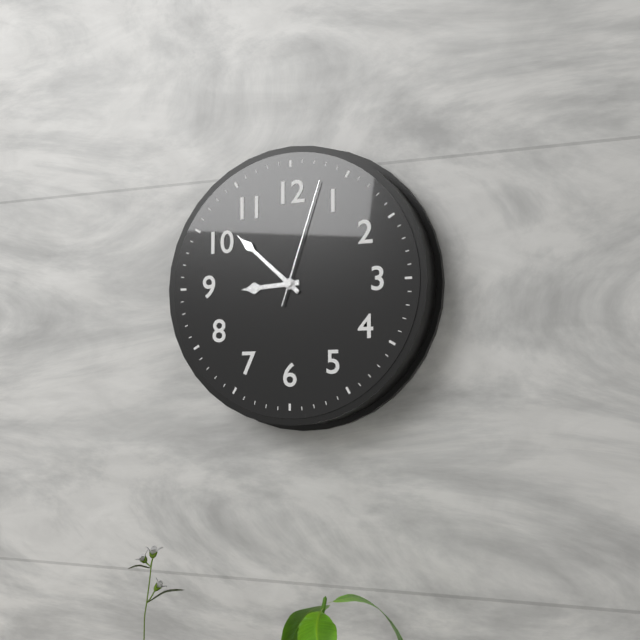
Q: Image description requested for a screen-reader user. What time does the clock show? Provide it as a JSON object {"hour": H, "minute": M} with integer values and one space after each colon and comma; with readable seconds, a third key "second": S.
{"hour": 8, "minute": 52, "second": 3}
